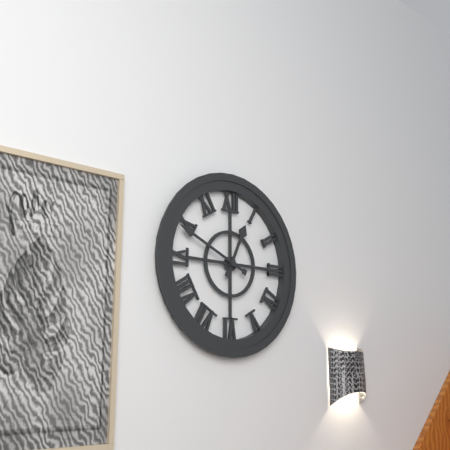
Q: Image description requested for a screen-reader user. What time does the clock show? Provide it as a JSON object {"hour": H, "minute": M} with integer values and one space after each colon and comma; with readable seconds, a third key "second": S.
{"hour": 12, "minute": 49}
